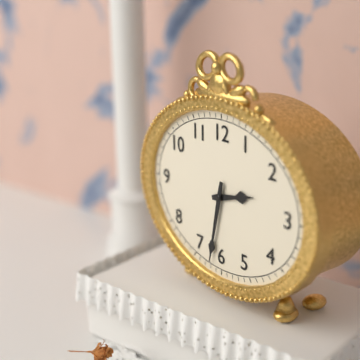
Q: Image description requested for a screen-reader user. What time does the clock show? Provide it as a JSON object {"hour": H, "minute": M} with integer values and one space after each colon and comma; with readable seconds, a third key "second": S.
{"hour": 2, "minute": 32}
